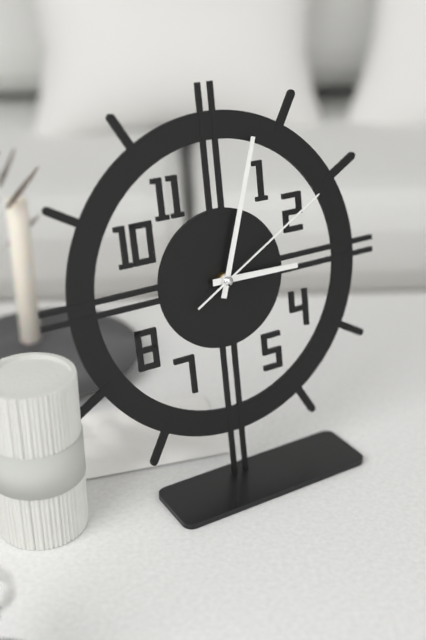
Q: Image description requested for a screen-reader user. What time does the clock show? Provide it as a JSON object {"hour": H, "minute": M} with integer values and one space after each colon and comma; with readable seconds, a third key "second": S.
{"hour": 3, "minute": 3, "second": 10}
